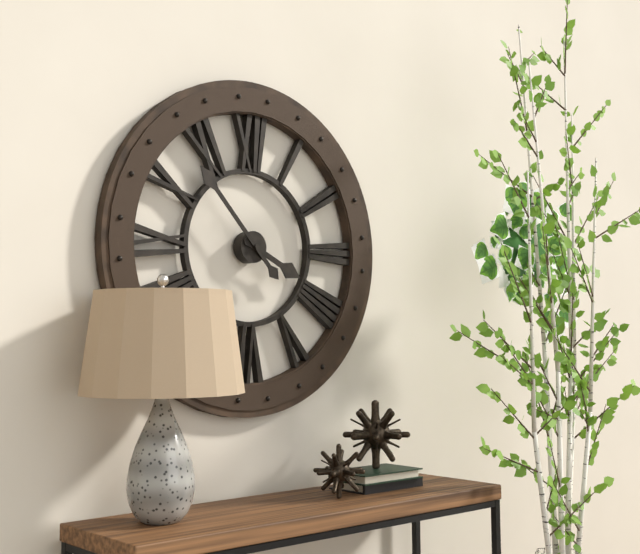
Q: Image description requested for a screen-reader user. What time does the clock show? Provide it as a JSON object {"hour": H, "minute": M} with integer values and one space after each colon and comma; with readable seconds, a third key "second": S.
{"hour": 3, "minute": 53}
